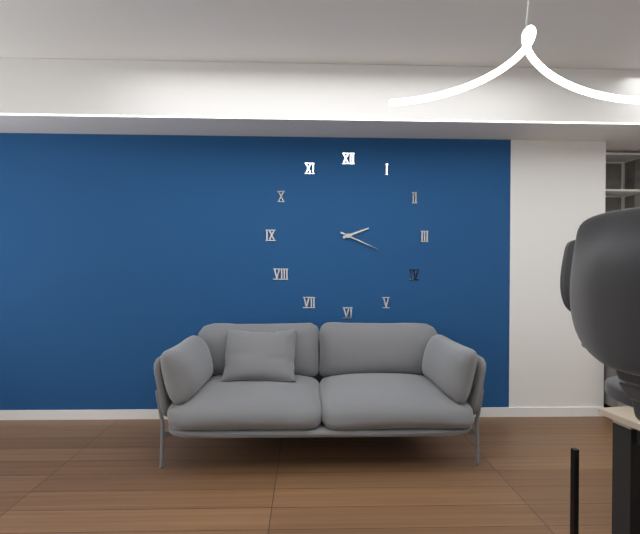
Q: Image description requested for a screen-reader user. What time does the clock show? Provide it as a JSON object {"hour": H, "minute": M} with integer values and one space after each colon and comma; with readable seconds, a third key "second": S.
{"hour": 2, "minute": 19}
